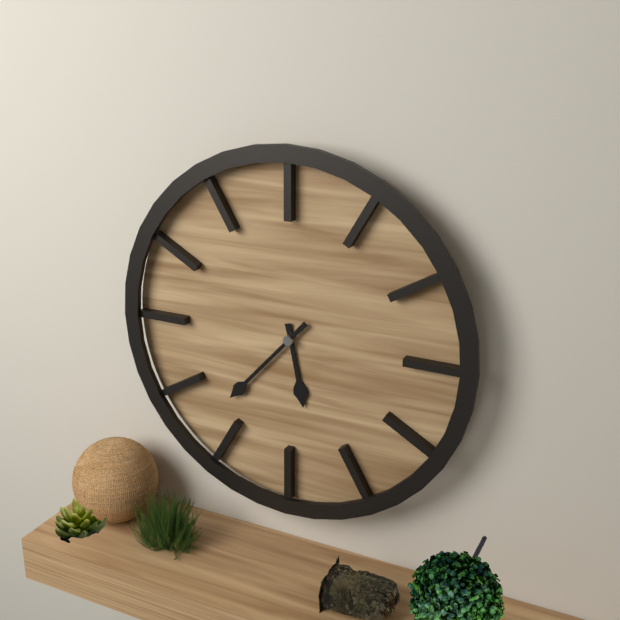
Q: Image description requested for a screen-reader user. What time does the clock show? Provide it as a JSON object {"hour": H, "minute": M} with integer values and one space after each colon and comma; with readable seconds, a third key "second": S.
{"hour": 5, "minute": 37}
